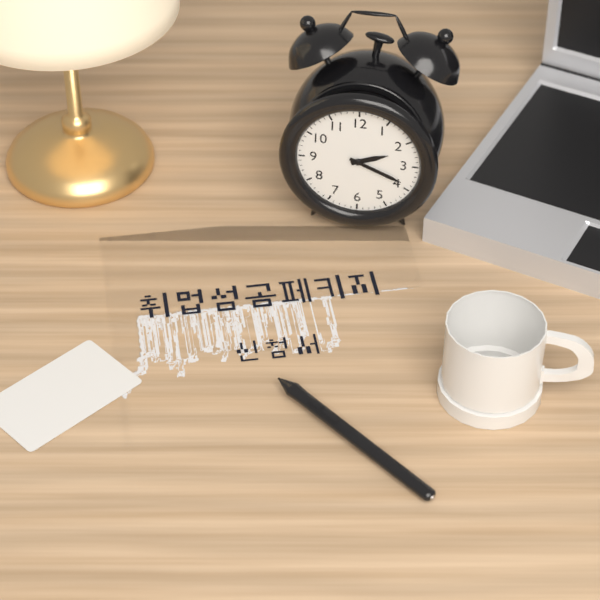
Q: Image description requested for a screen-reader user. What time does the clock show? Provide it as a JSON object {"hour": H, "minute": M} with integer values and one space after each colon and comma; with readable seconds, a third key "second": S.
{"hour": 2, "minute": 19}
